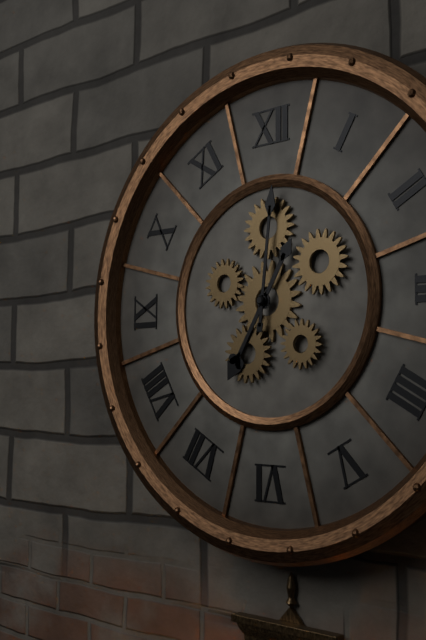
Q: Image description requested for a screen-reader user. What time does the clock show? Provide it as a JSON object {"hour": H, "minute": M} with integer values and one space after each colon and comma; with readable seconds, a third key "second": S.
{"hour": 7, "minute": 1}
